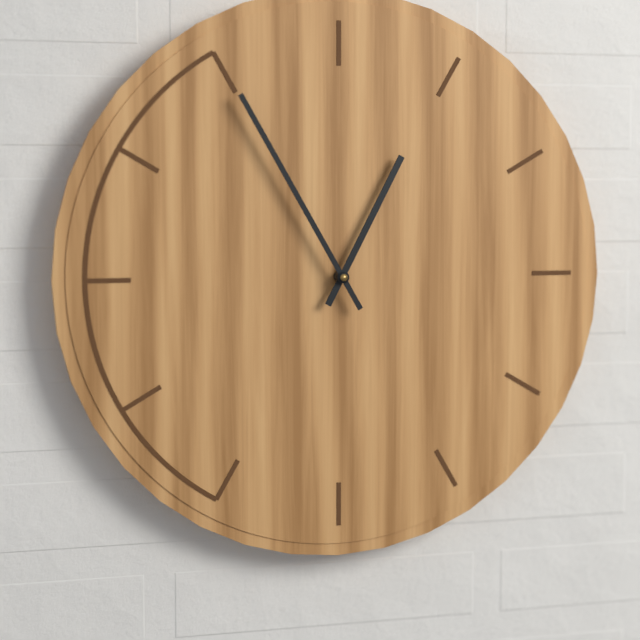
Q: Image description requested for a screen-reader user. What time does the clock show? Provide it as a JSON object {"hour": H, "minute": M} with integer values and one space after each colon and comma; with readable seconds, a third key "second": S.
{"hour": 12, "minute": 55}
